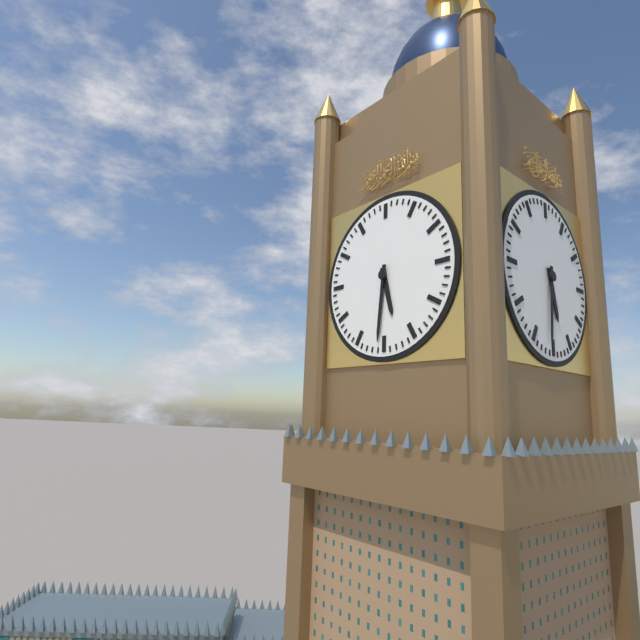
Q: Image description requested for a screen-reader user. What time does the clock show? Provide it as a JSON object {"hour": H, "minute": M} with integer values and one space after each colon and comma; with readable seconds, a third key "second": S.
{"hour": 5, "minute": 31}
